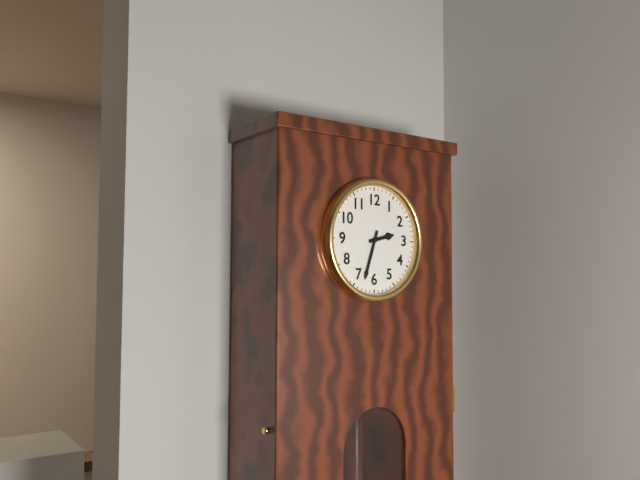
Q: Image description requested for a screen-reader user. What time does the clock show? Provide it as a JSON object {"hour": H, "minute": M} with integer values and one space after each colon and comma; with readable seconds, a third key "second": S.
{"hour": 2, "minute": 33}
